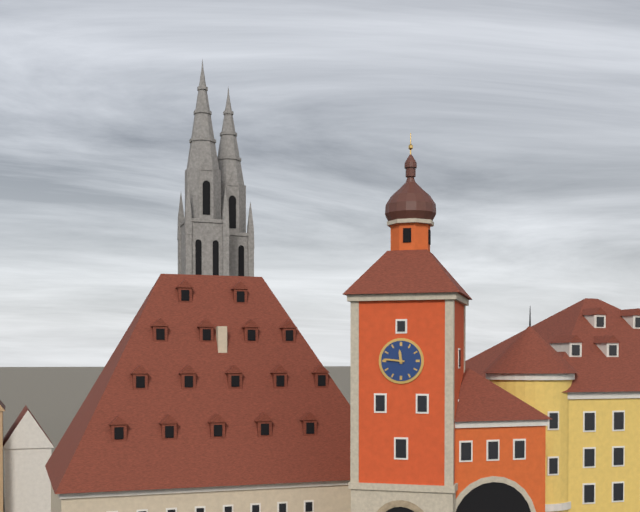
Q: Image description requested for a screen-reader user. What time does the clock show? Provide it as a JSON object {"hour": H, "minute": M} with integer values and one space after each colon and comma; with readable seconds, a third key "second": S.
{"hour": 11, "minute": 46}
